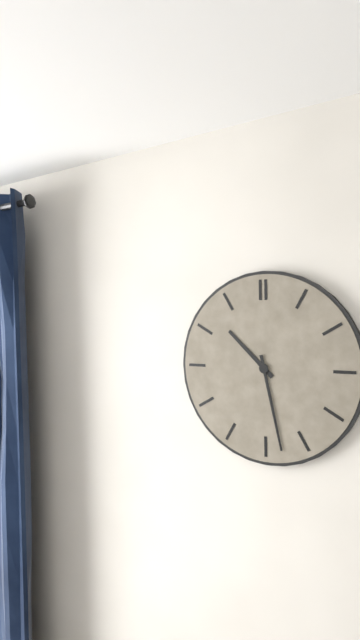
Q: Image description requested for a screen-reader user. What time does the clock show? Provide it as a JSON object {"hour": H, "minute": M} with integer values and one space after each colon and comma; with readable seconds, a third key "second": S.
{"hour": 10, "minute": 28}
